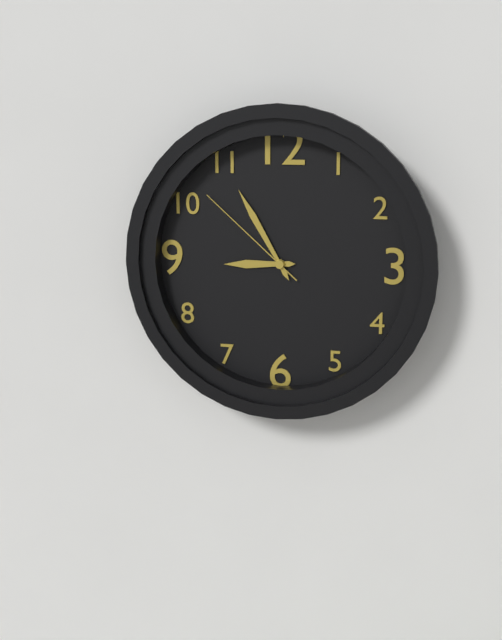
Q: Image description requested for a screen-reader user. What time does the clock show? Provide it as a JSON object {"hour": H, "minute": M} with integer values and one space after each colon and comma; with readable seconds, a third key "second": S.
{"hour": 8, "minute": 55, "second": 52}
